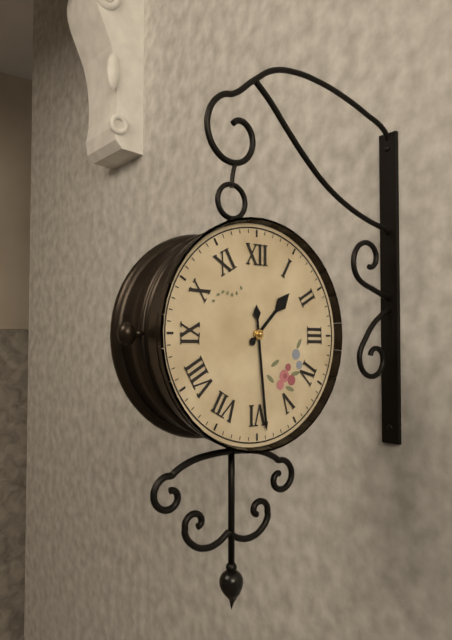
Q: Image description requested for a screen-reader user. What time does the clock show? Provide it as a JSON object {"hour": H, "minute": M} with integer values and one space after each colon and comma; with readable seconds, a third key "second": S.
{"hour": 1, "minute": 29}
